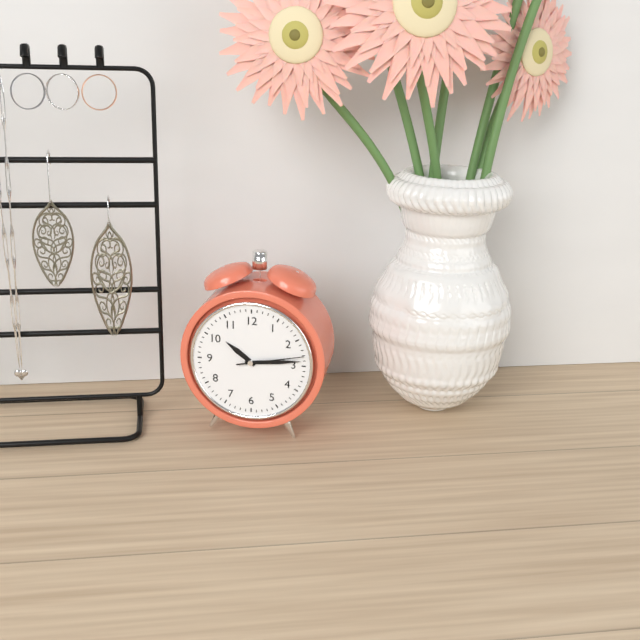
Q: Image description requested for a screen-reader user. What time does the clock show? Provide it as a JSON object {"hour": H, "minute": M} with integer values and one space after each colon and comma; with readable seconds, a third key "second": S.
{"hour": 10, "minute": 14, "second": 13}
